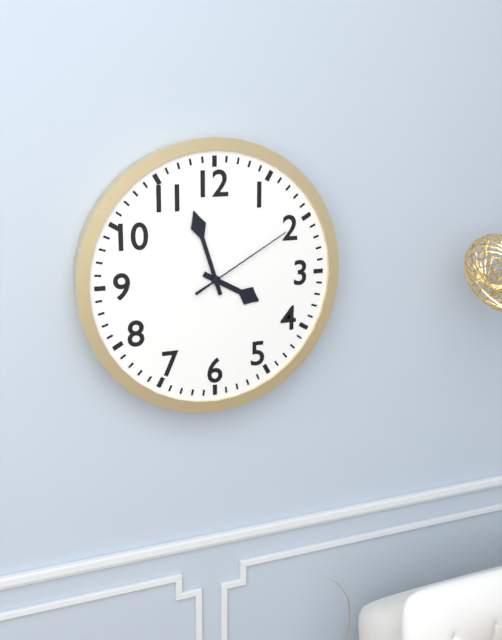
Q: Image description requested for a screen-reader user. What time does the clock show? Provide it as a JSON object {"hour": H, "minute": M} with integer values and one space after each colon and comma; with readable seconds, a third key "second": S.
{"hour": 3, "minute": 57, "second": 10}
